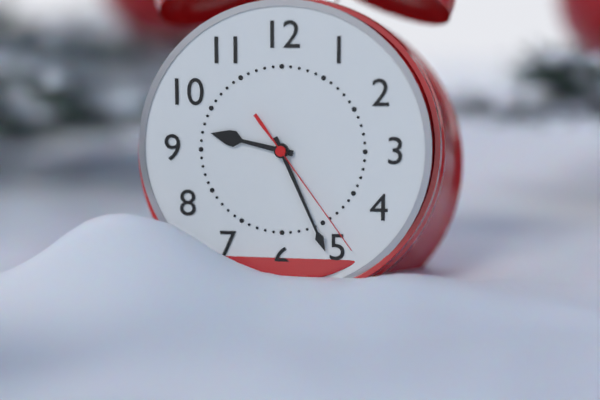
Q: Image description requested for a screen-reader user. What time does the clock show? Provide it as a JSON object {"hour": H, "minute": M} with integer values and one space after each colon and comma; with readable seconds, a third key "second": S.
{"hour": 9, "minute": 26, "second": 24}
